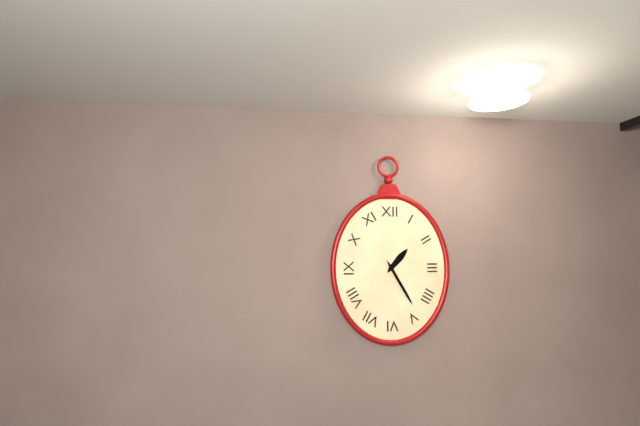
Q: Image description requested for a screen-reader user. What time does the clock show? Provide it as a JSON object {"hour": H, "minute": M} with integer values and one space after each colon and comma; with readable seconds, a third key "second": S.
{"hour": 1, "minute": 25}
